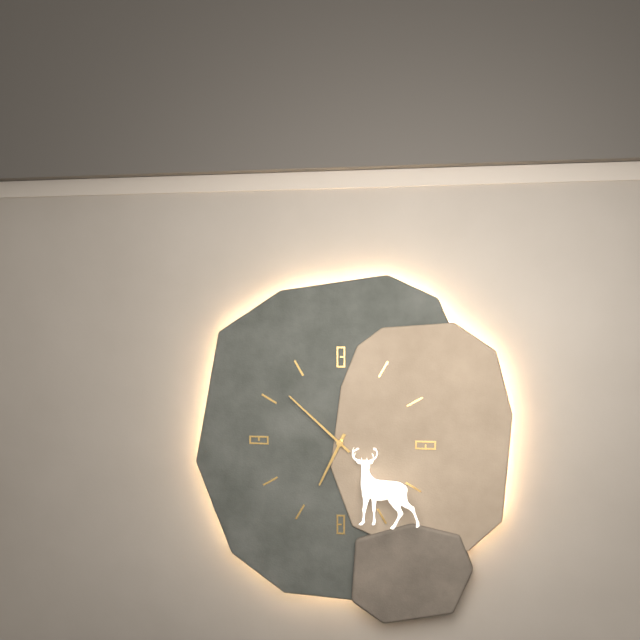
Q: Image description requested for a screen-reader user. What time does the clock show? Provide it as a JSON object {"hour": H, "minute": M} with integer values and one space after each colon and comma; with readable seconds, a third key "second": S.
{"hour": 6, "minute": 52}
